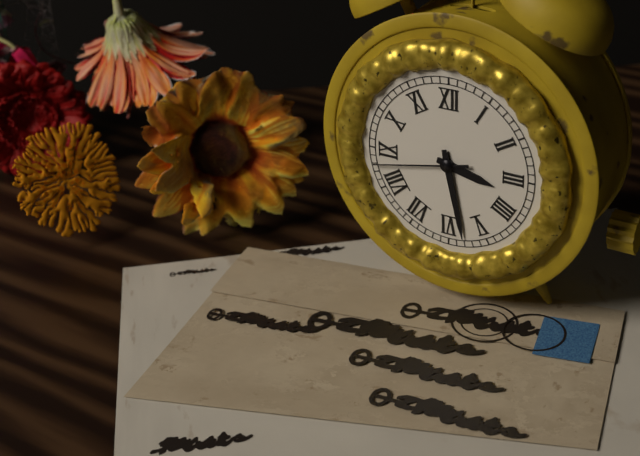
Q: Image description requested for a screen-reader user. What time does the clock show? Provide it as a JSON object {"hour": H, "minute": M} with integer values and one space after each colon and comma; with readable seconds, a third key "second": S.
{"hour": 3, "minute": 28, "second": 43}
